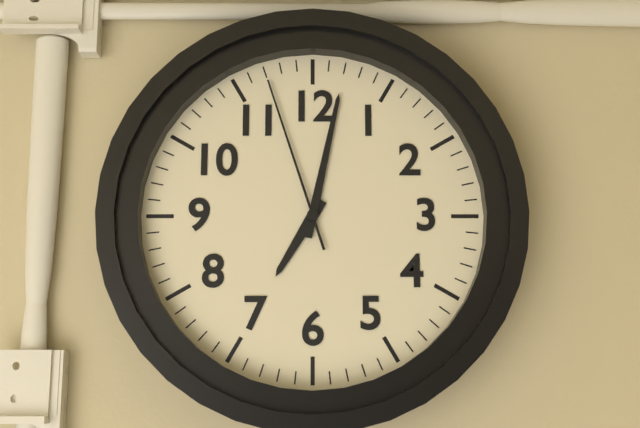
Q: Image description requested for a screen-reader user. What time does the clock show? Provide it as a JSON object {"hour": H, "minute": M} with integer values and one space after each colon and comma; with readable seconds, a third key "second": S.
{"hour": 7, "minute": 2, "second": 57}
